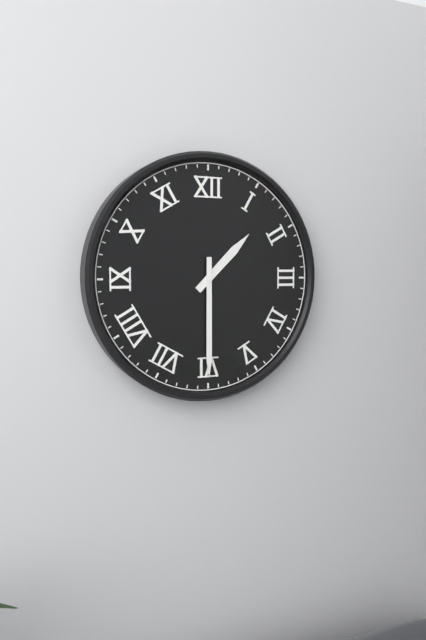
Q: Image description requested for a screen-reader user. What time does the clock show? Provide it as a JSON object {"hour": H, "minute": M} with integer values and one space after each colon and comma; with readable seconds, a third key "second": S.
{"hour": 1, "minute": 30}
